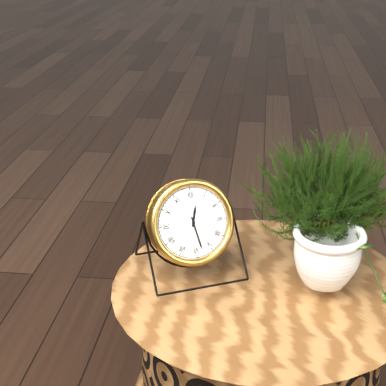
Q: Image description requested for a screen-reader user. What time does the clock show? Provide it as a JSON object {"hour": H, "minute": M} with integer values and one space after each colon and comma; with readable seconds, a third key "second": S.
{"hour": 12, "minute": 28}
